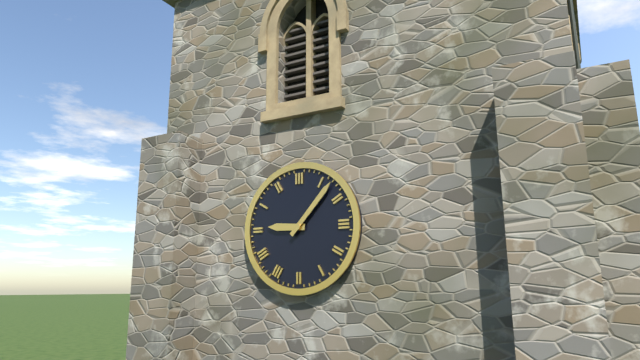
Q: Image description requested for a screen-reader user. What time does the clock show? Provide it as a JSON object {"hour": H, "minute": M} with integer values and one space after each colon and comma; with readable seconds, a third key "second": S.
{"hour": 9, "minute": 7}
